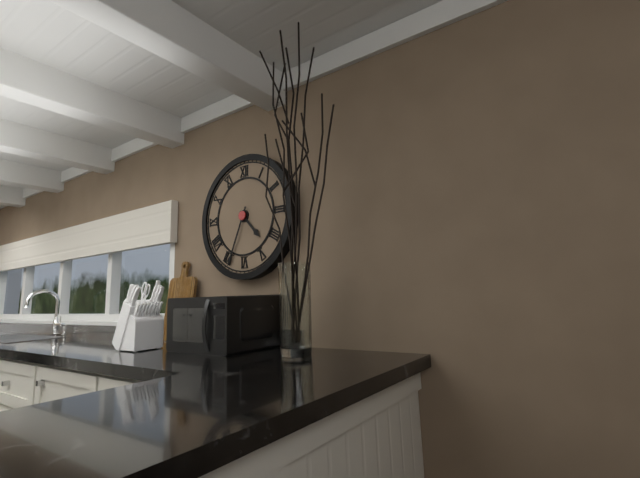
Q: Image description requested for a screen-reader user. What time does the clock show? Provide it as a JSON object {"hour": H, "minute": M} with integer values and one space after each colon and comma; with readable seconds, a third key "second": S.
{"hour": 4, "minute": 34}
